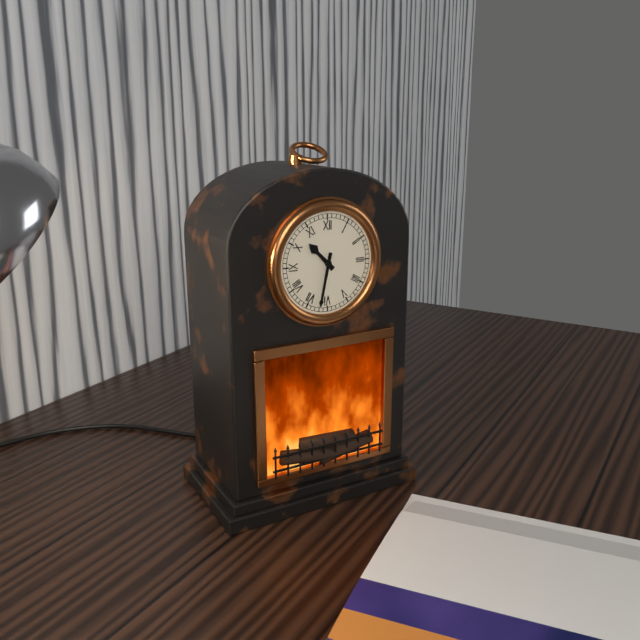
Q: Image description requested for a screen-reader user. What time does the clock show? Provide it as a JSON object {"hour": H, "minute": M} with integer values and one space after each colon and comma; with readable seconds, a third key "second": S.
{"hour": 10, "minute": 32}
